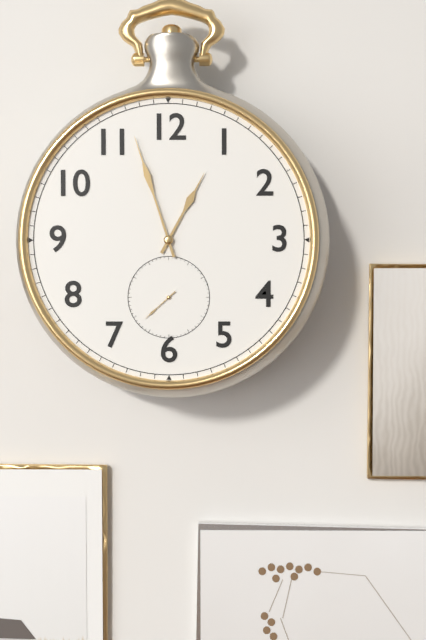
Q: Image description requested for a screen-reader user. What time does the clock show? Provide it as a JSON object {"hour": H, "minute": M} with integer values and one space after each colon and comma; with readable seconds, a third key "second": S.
{"hour": 12, "minute": 57}
